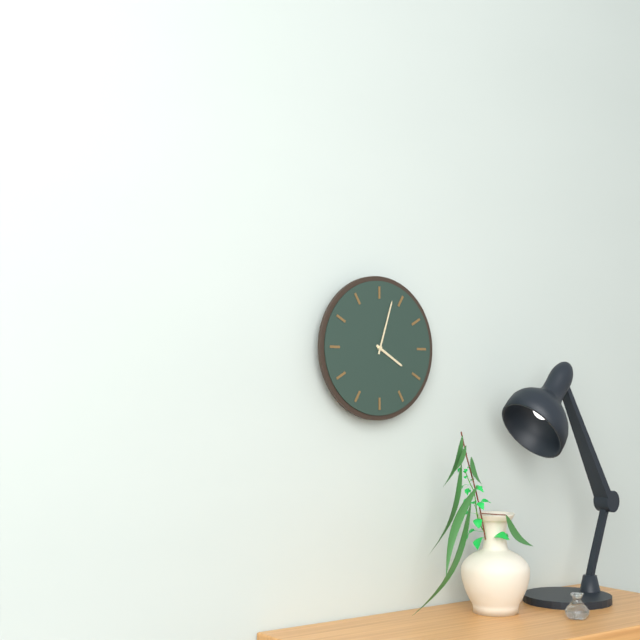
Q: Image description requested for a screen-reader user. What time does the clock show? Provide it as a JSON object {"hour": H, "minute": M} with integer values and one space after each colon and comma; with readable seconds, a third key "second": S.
{"hour": 4, "minute": 3}
